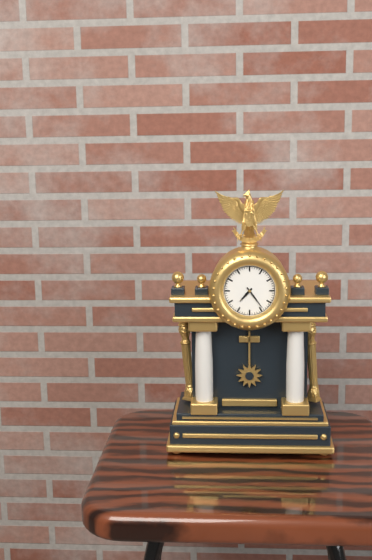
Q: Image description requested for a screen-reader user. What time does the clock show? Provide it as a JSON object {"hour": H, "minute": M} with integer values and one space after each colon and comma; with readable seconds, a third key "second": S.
{"hour": 7, "minute": 24}
